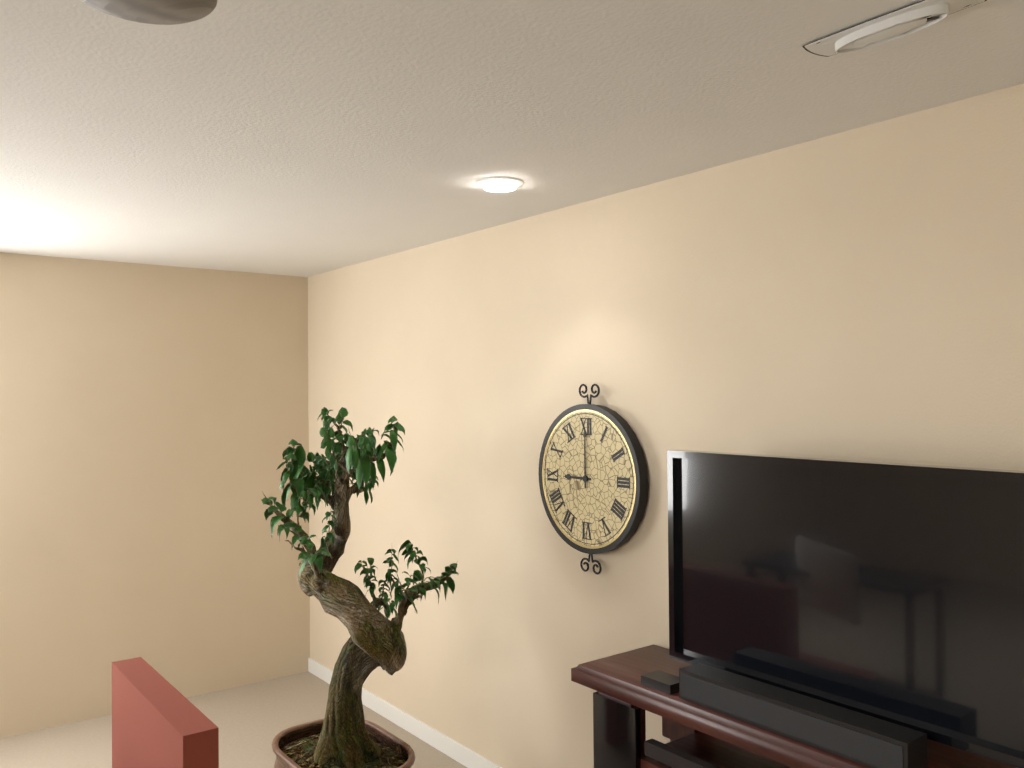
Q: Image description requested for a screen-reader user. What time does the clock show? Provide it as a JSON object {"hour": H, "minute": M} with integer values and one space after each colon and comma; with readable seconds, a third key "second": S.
{"hour": 9, "minute": 0}
